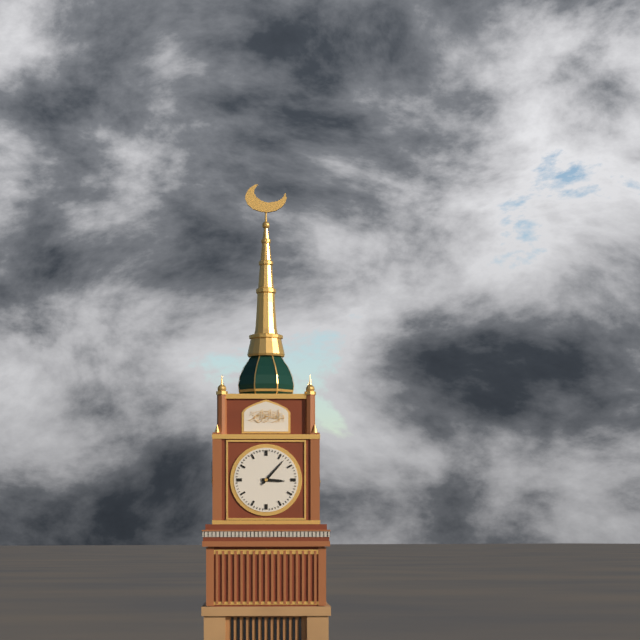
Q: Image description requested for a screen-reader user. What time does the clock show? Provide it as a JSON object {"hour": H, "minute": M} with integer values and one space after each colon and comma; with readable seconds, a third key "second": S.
{"hour": 3, "minute": 7}
